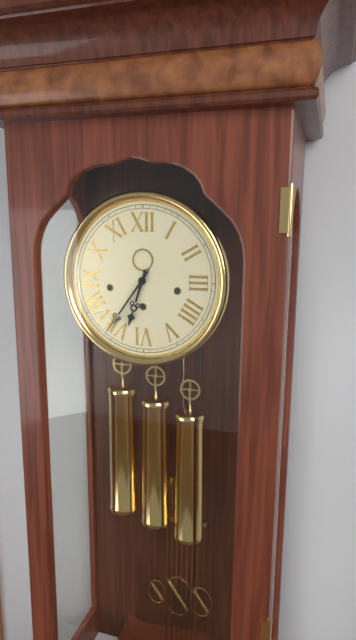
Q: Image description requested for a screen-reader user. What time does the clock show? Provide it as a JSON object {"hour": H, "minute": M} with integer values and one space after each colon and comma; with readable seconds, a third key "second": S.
{"hour": 6, "minute": 36}
